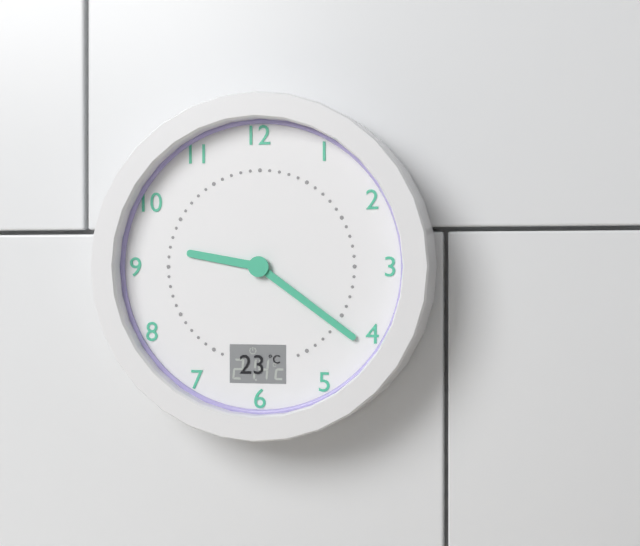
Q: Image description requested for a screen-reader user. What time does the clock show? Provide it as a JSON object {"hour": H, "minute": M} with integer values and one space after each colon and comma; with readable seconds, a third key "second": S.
{"hour": 9, "minute": 21}
